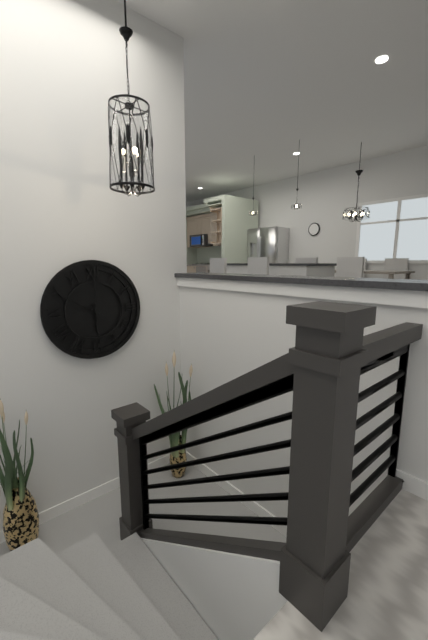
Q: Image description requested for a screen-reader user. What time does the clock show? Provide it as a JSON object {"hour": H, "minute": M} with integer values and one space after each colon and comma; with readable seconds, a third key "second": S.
{"hour": 5, "minute": 50, "second": 0}
